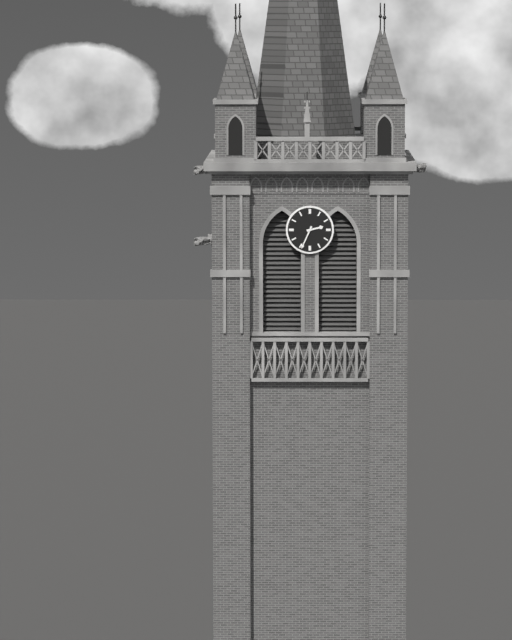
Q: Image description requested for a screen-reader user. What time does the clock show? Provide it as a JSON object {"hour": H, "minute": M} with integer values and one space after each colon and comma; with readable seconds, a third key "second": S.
{"hour": 2, "minute": 34}
